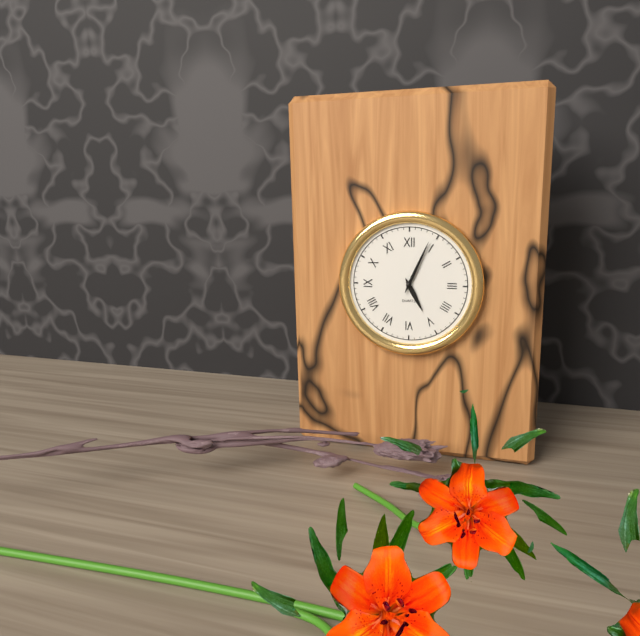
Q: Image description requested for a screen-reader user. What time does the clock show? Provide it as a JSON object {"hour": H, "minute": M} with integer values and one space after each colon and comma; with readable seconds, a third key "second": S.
{"hour": 5, "minute": 4}
